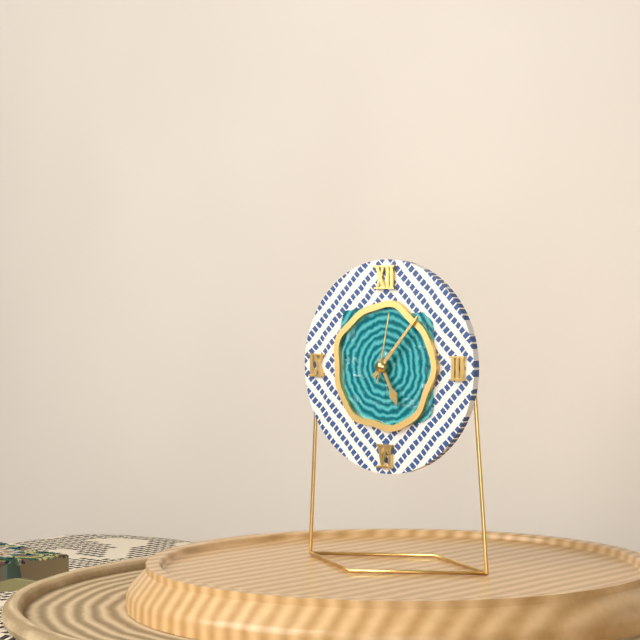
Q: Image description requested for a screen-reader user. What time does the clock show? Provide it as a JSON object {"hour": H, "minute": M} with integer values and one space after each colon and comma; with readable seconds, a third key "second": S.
{"hour": 5, "minute": 7, "second": 2}
